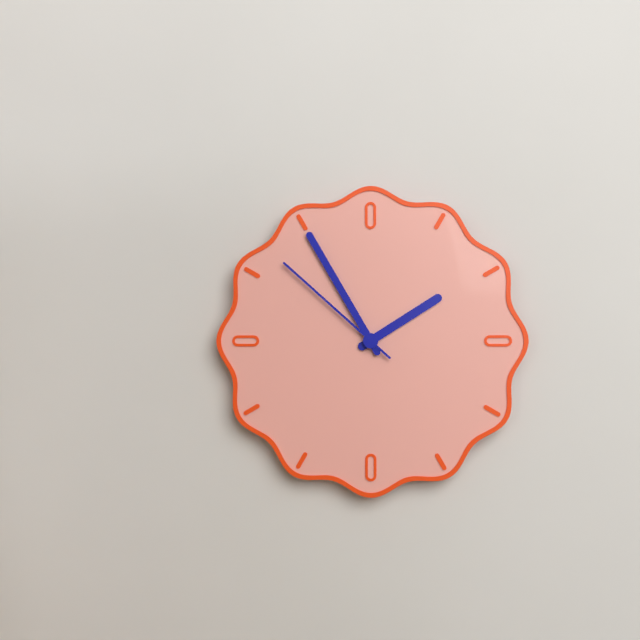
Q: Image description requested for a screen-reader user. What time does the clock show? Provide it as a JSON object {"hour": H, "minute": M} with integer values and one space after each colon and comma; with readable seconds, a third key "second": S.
{"hour": 1, "minute": 55, "second": 52}
